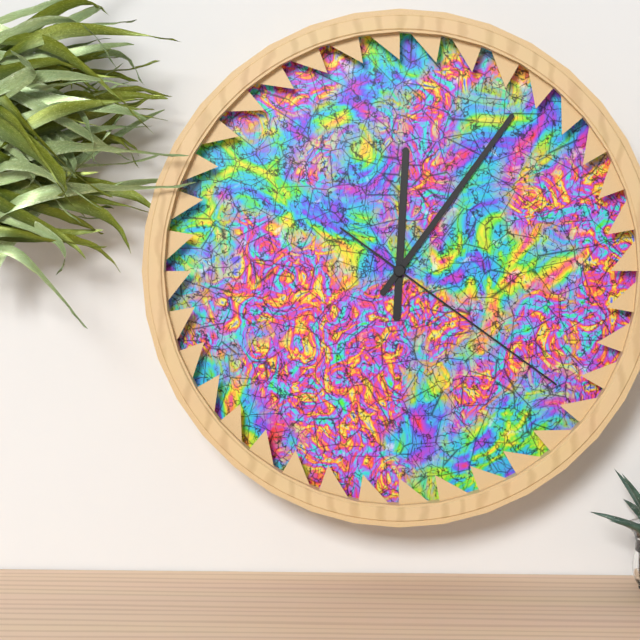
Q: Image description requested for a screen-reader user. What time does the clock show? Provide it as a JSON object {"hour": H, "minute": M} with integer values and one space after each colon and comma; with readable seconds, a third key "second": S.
{"hour": 12, "minute": 6, "second": 21}
